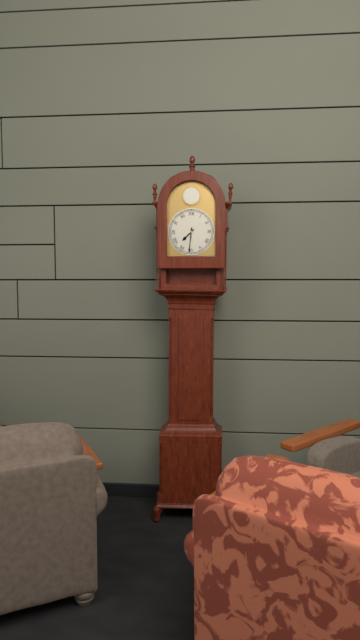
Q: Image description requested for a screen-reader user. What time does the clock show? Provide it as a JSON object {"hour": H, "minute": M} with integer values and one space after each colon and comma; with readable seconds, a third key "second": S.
{"hour": 7, "minute": 31}
